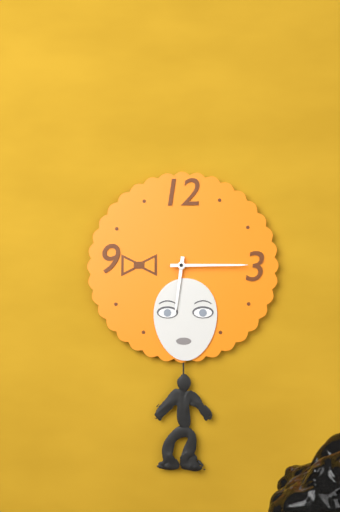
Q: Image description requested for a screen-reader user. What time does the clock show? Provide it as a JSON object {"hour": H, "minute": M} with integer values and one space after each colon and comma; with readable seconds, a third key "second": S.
{"hour": 6, "minute": 15}
